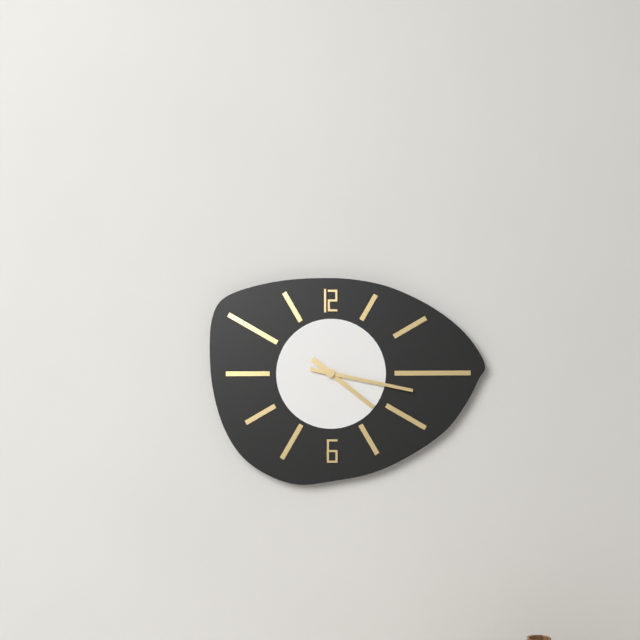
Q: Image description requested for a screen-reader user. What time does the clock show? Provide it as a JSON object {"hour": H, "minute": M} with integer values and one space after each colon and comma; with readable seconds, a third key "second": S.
{"hour": 4, "minute": 17}
